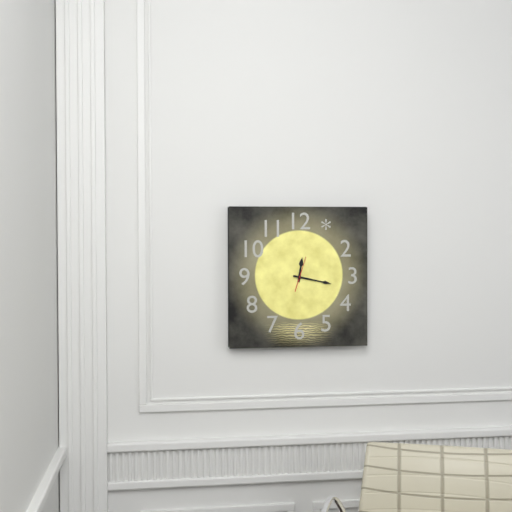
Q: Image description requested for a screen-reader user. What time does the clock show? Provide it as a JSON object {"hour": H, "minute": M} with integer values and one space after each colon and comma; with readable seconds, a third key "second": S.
{"hour": 12, "minute": 17}
